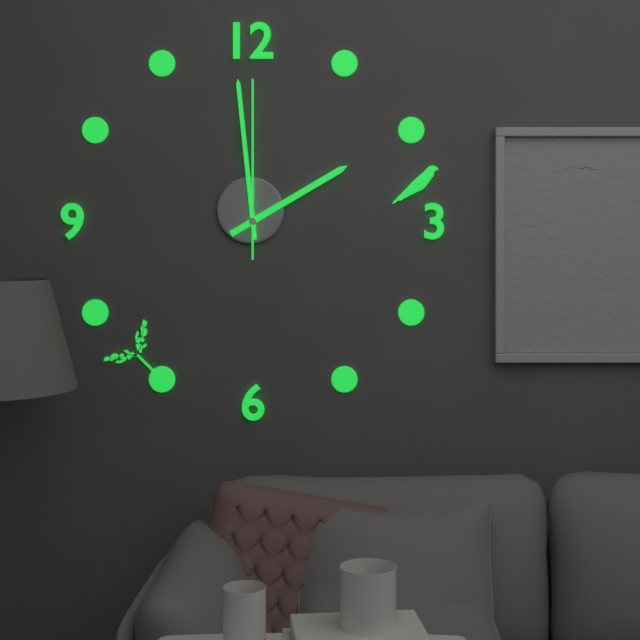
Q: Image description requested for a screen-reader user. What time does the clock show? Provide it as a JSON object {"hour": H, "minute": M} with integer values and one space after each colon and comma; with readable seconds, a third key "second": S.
{"hour": 1, "minute": 59, "second": 0}
